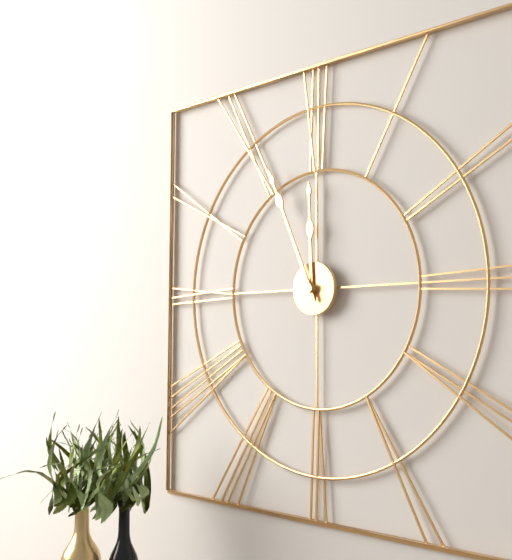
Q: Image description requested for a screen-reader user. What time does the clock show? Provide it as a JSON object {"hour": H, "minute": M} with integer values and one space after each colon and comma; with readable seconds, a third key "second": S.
{"hour": 11, "minute": 56}
